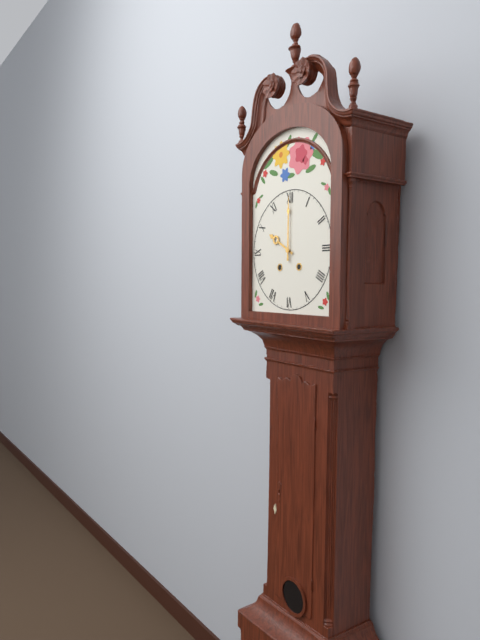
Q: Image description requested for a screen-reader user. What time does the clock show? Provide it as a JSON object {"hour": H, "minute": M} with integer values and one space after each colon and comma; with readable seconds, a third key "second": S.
{"hour": 10, "minute": 0}
